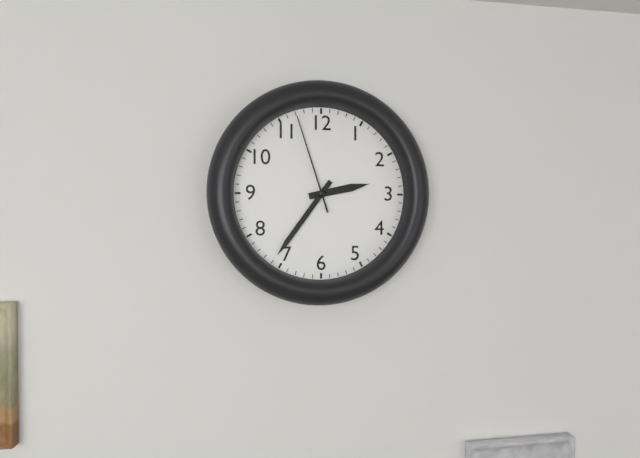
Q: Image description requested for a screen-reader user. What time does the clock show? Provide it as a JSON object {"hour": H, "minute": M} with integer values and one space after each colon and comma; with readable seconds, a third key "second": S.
{"hour": 2, "minute": 36, "second": 57}
